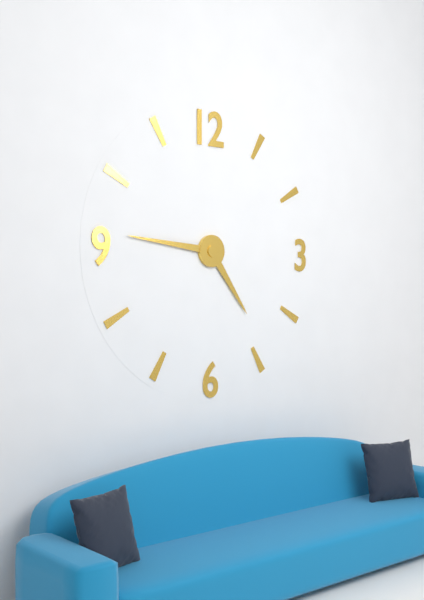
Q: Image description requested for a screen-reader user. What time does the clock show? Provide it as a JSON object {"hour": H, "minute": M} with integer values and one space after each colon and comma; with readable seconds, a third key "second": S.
{"hour": 4, "minute": 46}
